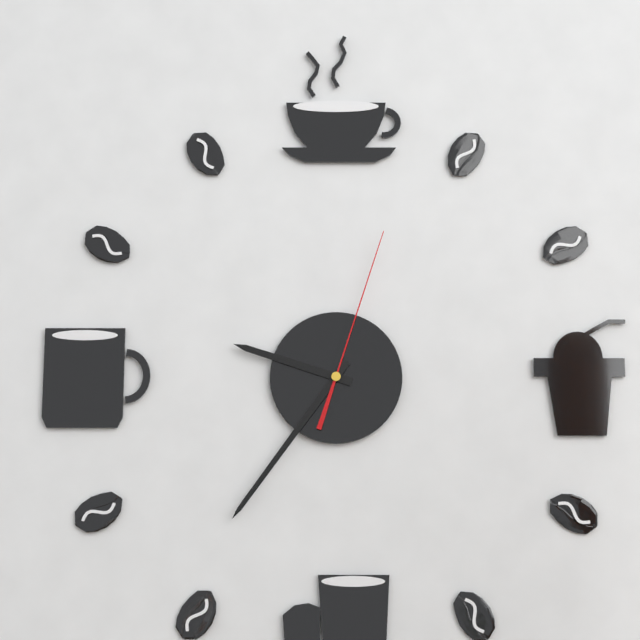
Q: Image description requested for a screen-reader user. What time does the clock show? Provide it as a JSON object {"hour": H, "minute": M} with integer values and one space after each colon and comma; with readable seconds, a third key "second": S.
{"hour": 9, "minute": 36, "second": 3}
